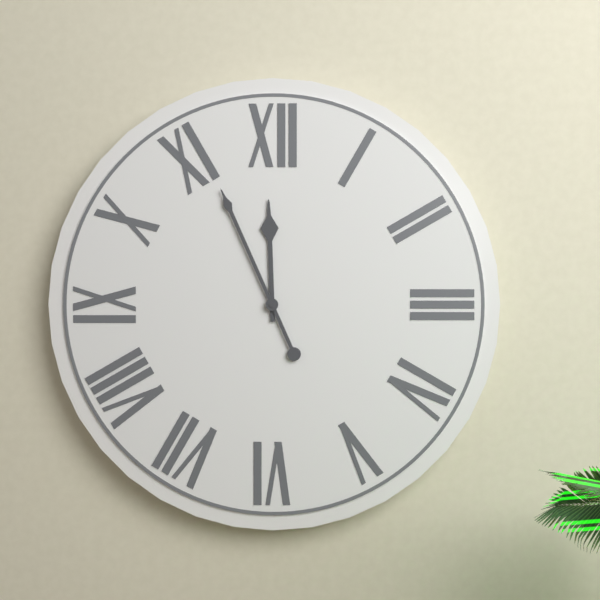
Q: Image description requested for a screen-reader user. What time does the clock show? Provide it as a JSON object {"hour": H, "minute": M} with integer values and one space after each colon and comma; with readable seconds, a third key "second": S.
{"hour": 11, "minute": 56}
